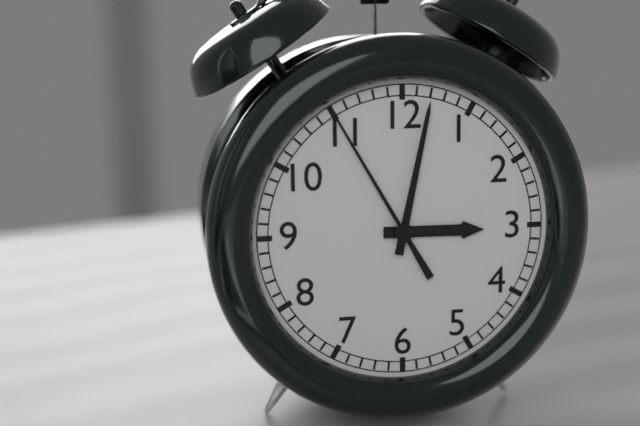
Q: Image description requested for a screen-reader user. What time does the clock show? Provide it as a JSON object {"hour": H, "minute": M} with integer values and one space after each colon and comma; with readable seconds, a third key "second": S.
{"hour": 3, "minute": 2, "second": 55}
